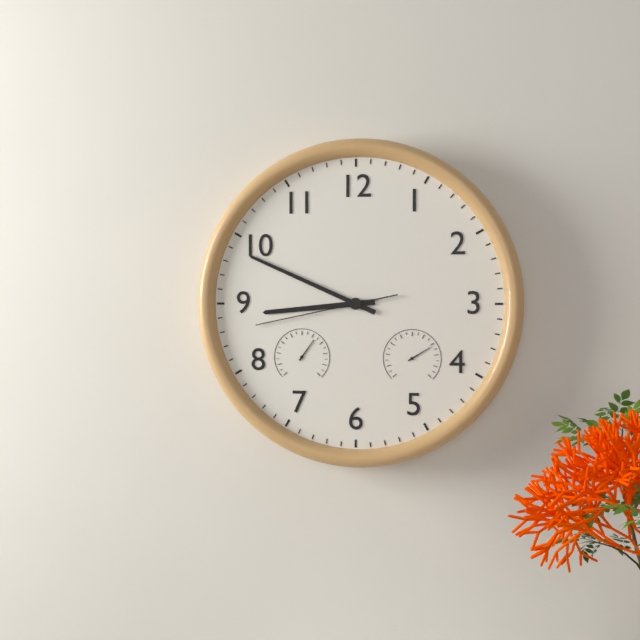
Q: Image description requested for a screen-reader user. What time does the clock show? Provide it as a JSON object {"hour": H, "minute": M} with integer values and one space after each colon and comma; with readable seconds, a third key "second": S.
{"hour": 8, "minute": 49, "second": 43}
